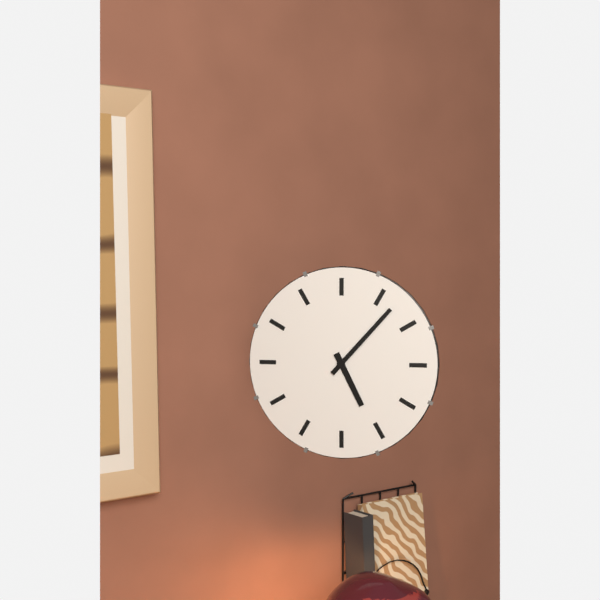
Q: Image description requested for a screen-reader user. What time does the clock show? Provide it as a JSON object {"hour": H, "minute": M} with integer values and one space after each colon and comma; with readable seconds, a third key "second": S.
{"hour": 5, "minute": 7}
